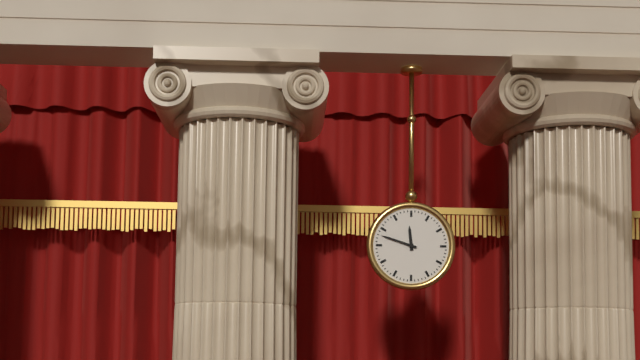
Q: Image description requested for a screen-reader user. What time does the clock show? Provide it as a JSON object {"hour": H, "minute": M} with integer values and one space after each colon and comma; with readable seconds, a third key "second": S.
{"hour": 11, "minute": 48}
